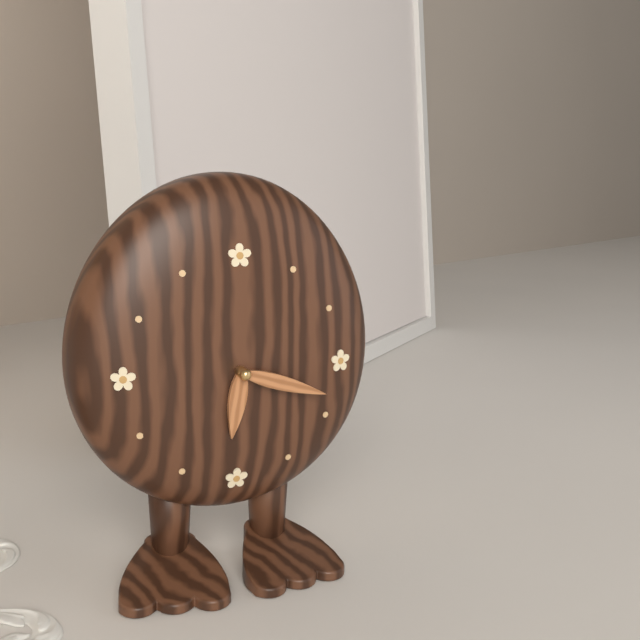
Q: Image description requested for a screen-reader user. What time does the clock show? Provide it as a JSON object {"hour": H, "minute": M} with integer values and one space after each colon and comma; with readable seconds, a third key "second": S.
{"hour": 6, "minute": 18}
